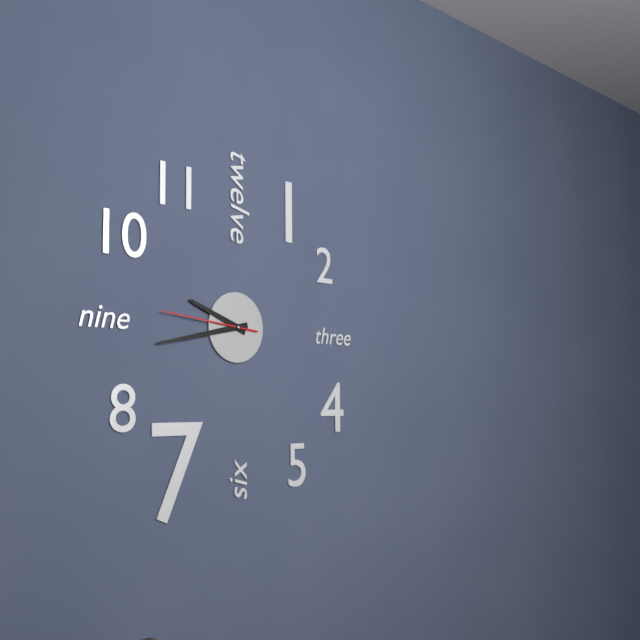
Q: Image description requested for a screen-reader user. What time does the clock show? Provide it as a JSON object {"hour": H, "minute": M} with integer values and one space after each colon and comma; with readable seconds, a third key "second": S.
{"hour": 9, "minute": 43, "second": 46}
